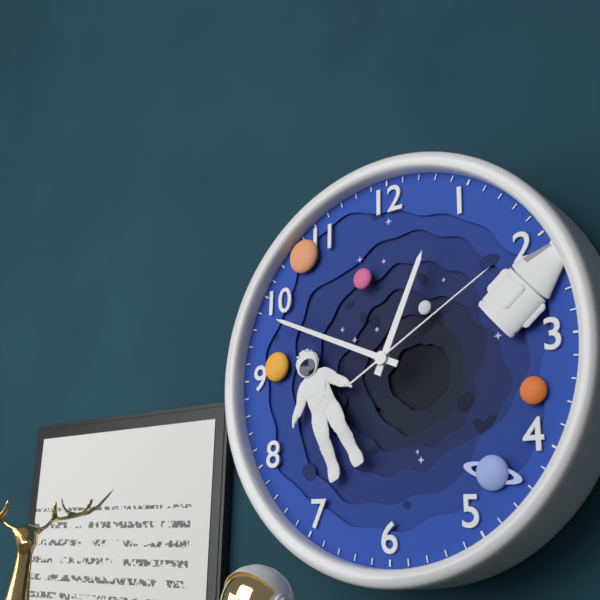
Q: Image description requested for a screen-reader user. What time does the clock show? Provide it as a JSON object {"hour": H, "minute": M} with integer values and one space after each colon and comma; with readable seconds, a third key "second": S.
{"hour": 12, "minute": 49, "second": 10}
